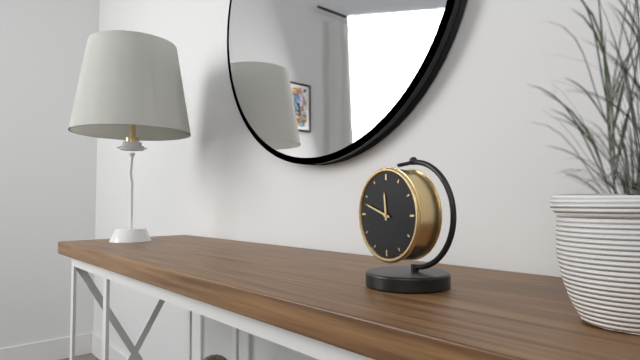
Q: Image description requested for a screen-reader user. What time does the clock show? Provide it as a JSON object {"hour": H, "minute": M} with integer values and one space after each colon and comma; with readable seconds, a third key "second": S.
{"hour": 11, "minute": 48}
